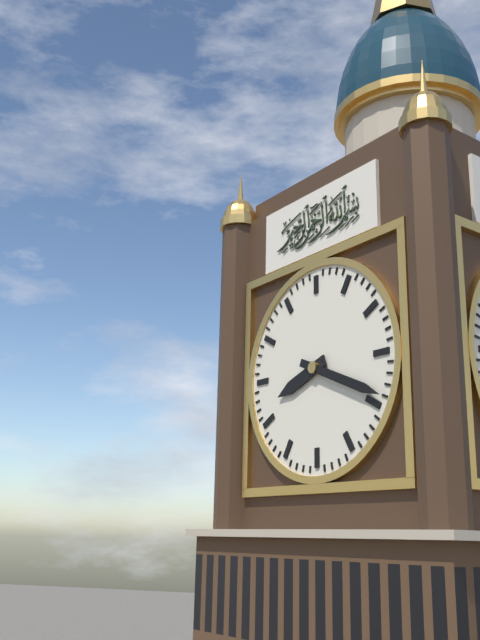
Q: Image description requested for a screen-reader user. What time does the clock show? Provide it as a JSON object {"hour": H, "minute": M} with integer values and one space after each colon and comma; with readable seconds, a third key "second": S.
{"hour": 8, "minute": 19}
